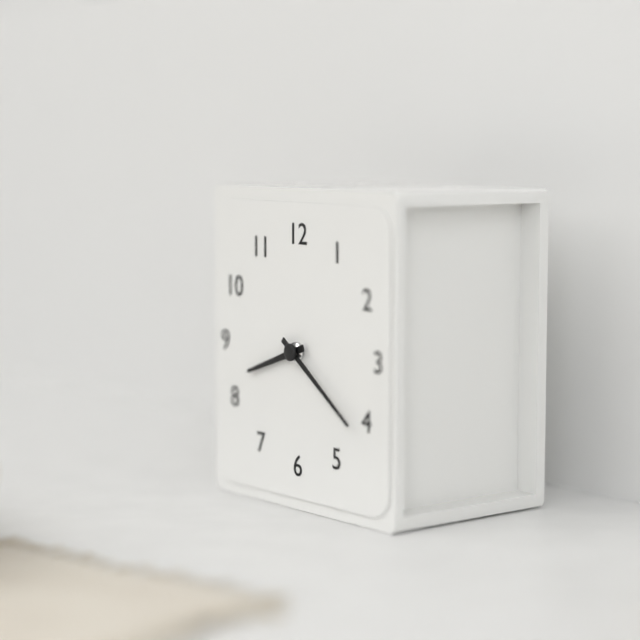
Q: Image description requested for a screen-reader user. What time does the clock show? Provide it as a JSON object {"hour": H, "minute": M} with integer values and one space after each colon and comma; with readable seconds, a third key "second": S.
{"hour": 8, "minute": 21}
